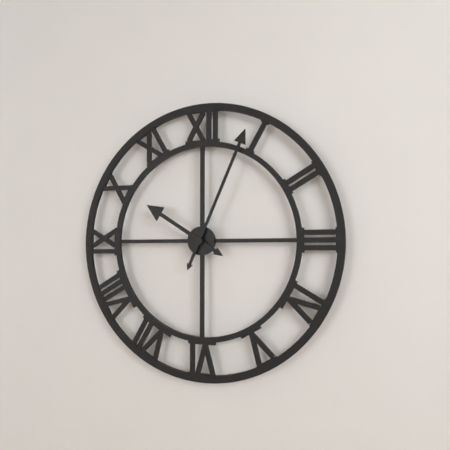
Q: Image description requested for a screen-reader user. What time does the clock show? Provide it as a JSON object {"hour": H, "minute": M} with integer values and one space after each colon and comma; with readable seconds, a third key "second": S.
{"hour": 10, "minute": 4}
